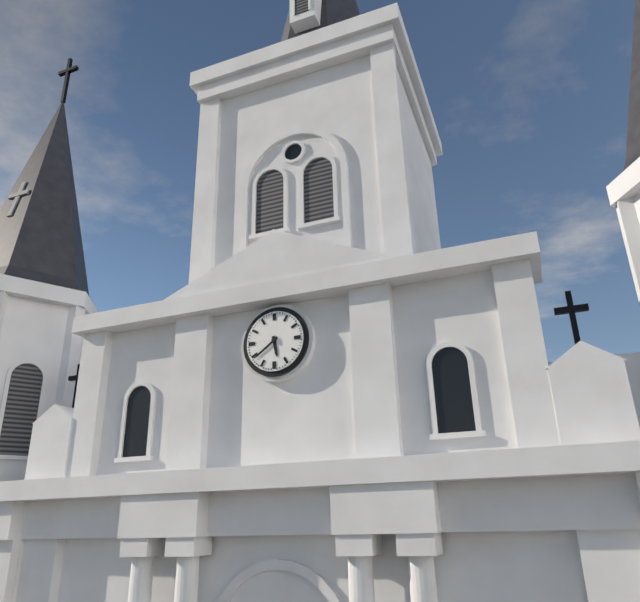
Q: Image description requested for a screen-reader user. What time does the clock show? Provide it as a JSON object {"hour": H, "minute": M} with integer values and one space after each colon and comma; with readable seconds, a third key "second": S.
{"hour": 5, "minute": 39}
